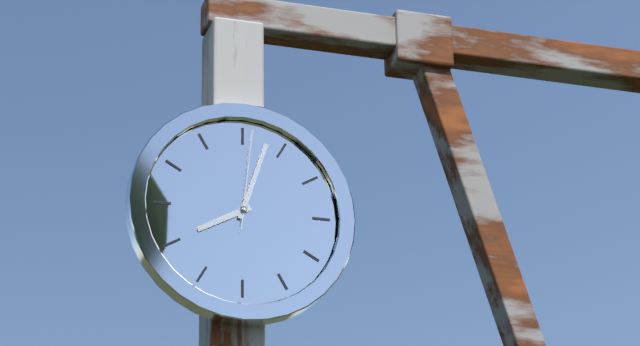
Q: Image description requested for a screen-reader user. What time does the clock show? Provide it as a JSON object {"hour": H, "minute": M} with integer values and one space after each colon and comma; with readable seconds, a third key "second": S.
{"hour": 8, "minute": 3, "second": 1}
